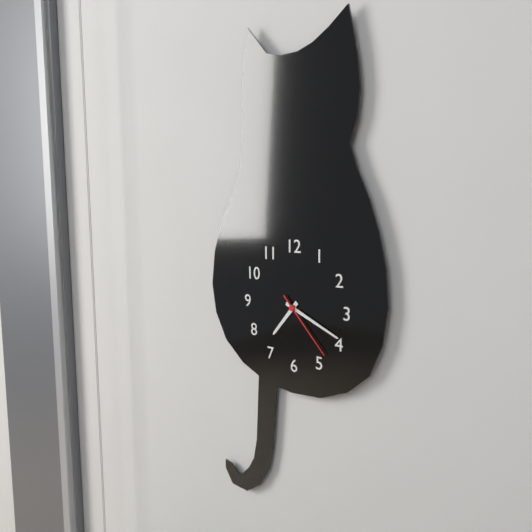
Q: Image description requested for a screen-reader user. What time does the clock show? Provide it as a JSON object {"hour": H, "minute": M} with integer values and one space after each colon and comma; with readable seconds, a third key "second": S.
{"hour": 7, "minute": 19, "second": 23}
